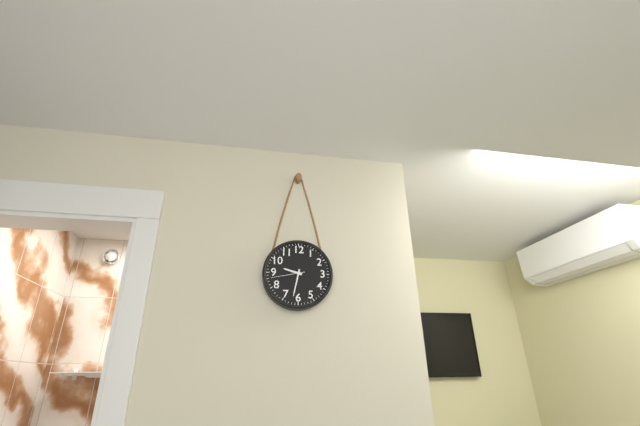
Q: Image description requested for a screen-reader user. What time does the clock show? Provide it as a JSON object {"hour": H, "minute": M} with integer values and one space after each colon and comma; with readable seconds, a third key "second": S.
{"hour": 9, "minute": 32}
